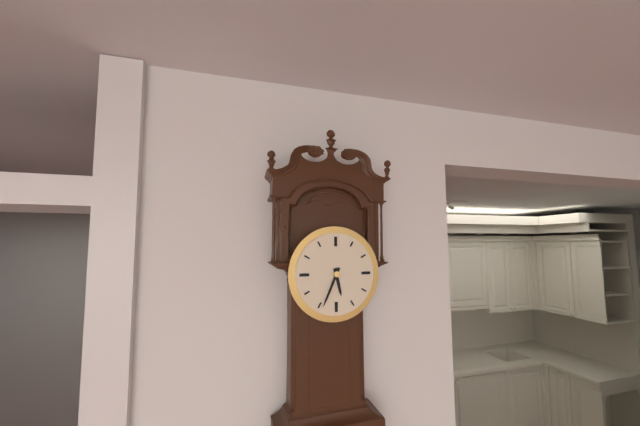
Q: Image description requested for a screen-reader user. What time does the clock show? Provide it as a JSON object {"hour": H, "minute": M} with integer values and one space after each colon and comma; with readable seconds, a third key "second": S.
{"hour": 5, "minute": 34}
